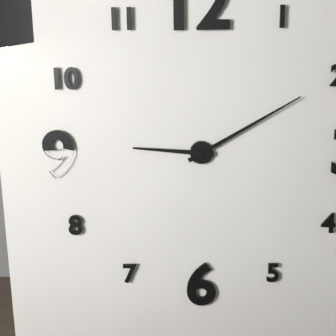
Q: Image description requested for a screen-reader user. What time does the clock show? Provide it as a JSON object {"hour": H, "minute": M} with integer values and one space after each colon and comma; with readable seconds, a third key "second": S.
{"hour": 9, "minute": 10}
